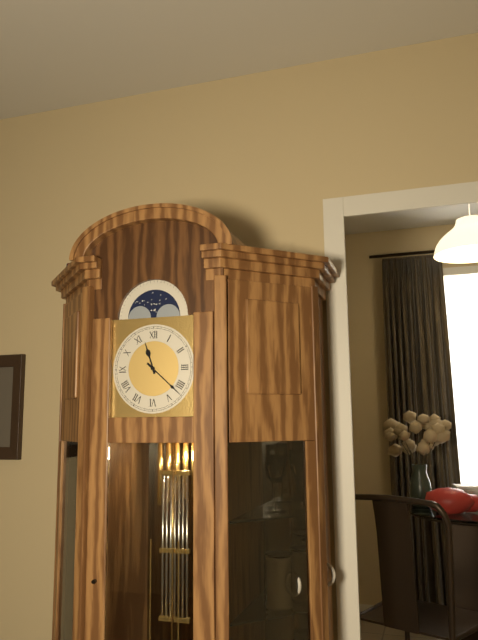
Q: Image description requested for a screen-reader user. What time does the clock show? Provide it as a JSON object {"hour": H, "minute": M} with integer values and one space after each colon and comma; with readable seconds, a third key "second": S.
{"hour": 11, "minute": 22}
